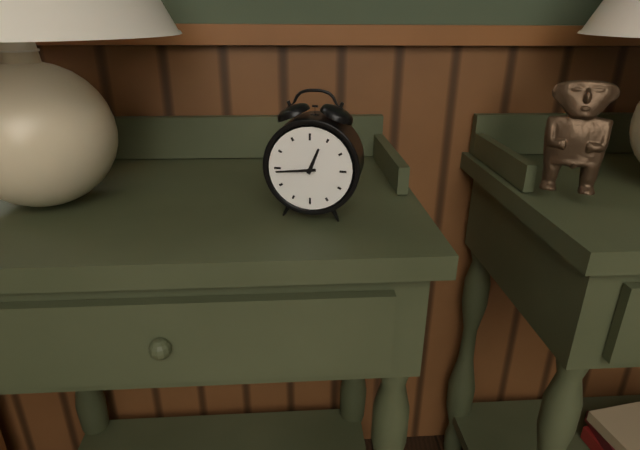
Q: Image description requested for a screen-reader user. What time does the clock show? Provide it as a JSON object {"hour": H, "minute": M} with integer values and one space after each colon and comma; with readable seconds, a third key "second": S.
{"hour": 12, "minute": 44}
